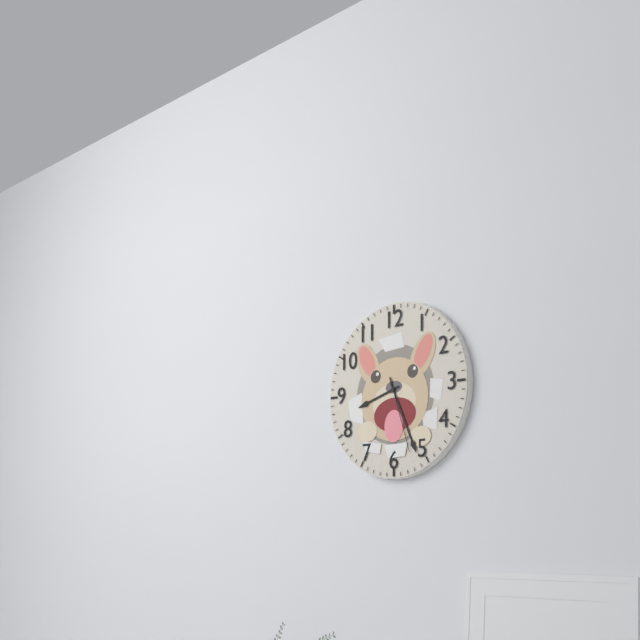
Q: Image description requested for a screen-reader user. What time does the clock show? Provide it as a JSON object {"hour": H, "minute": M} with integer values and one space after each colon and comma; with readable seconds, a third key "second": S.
{"hour": 8, "minute": 26, "second": 27}
